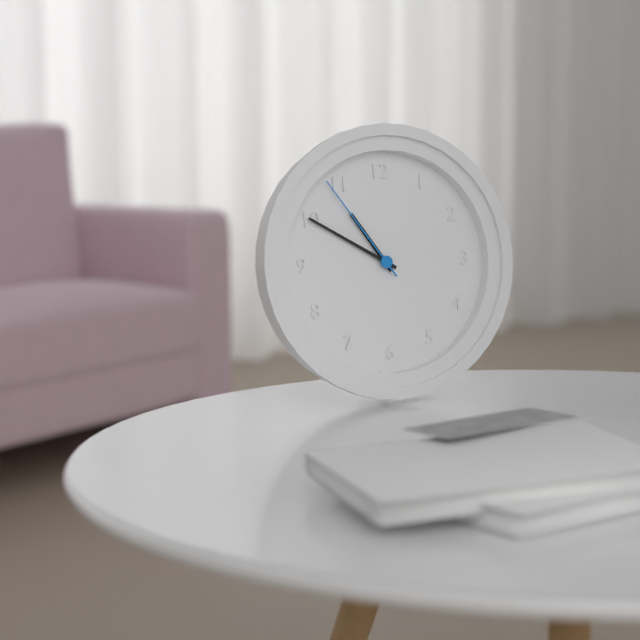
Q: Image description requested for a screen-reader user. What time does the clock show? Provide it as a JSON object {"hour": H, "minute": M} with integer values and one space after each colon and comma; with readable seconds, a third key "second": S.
{"hour": 10, "minute": 50, "second": 54}
